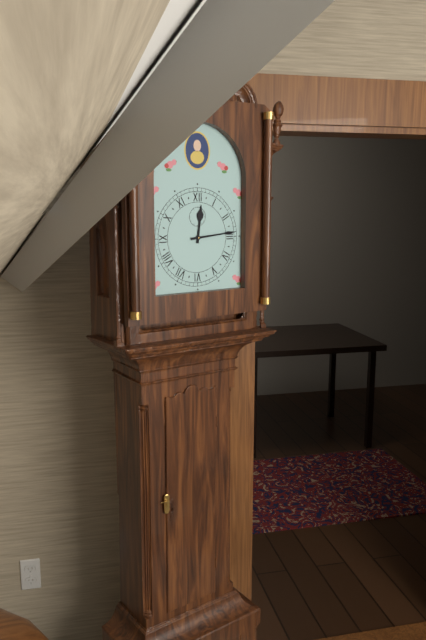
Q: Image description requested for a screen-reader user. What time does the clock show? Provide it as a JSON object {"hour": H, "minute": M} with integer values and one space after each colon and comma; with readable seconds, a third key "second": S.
{"hour": 12, "minute": 14}
